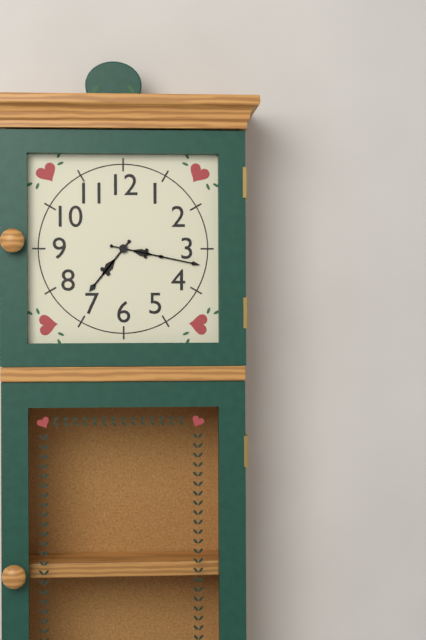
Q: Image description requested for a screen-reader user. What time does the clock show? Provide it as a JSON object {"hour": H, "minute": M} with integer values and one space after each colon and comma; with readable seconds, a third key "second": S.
{"hour": 7, "minute": 17}
